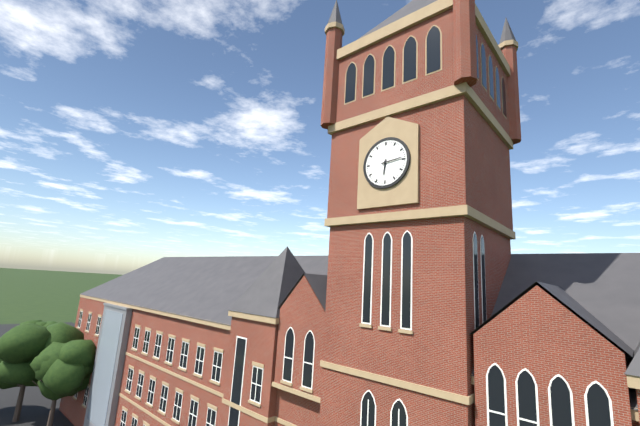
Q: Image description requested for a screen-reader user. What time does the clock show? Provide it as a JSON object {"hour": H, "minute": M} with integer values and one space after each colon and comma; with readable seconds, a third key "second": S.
{"hour": 6, "minute": 14}
